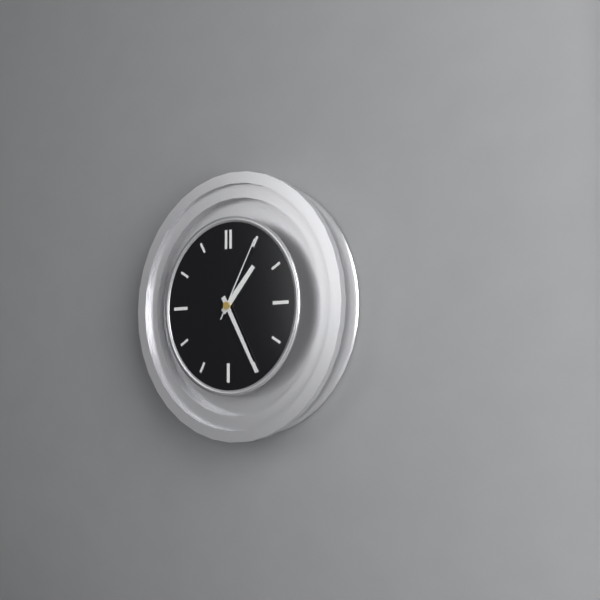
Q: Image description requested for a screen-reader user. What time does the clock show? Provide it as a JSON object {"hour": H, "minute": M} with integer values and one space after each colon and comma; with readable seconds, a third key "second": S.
{"hour": 1, "minute": 25, "second": 5}
